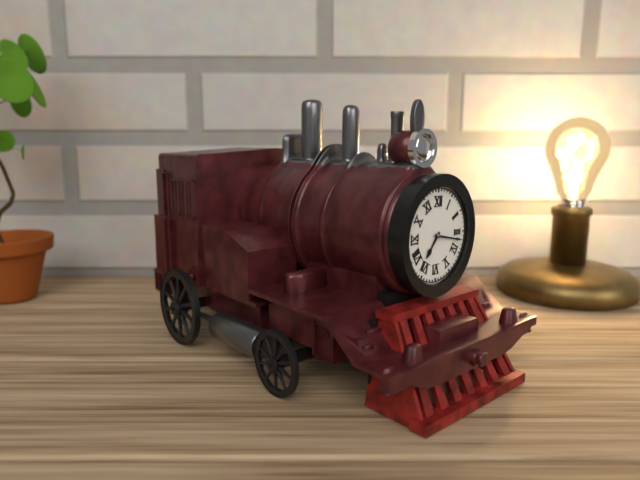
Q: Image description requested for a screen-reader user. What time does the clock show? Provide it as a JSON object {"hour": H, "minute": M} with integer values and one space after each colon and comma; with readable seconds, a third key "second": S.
{"hour": 7, "minute": 17}
